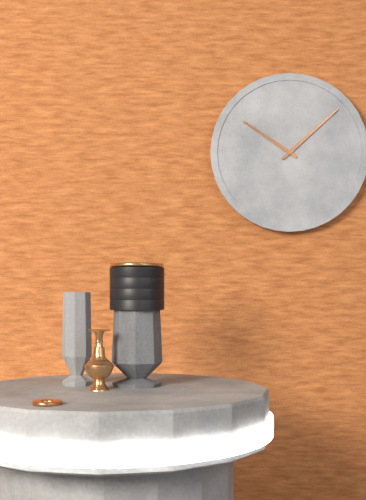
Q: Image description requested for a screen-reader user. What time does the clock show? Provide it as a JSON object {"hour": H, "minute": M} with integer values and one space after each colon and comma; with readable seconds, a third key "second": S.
{"hour": 10, "minute": 8}
